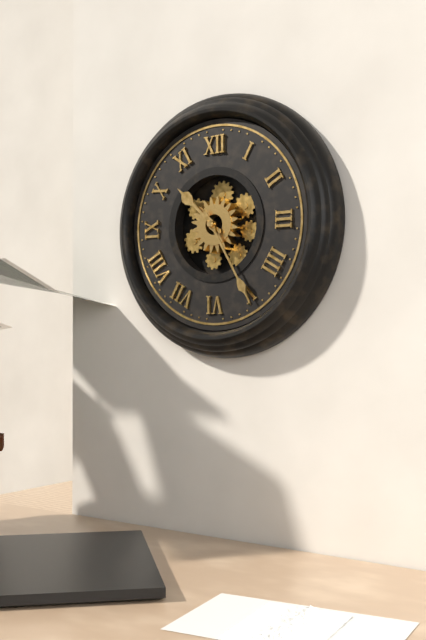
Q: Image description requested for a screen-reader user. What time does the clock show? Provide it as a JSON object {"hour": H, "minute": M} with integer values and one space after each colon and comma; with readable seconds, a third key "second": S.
{"hour": 10, "minute": 25}
